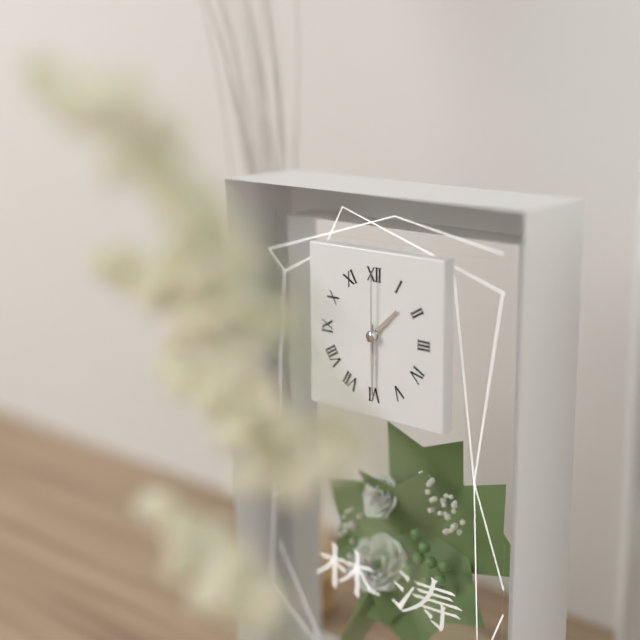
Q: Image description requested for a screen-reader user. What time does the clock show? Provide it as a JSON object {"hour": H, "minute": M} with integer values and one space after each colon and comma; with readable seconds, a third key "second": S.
{"hour": 1, "minute": 30, "second": 0}
